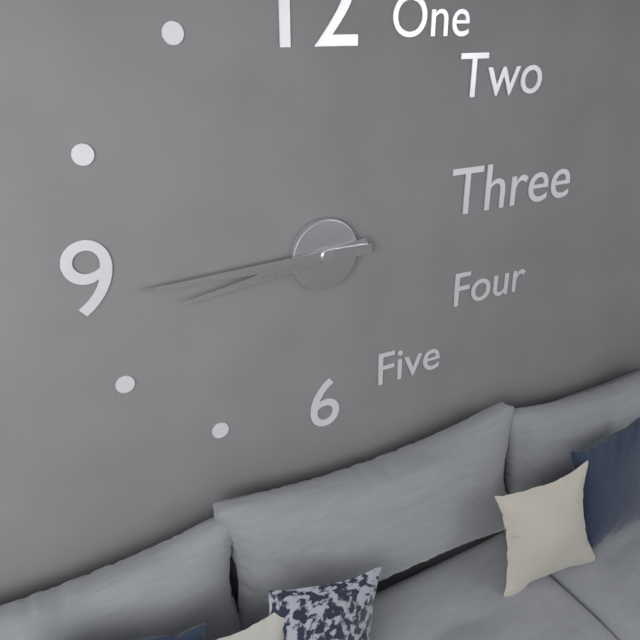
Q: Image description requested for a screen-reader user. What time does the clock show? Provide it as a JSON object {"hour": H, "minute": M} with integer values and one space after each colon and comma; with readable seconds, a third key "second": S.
{"hour": 8, "minute": 45}
